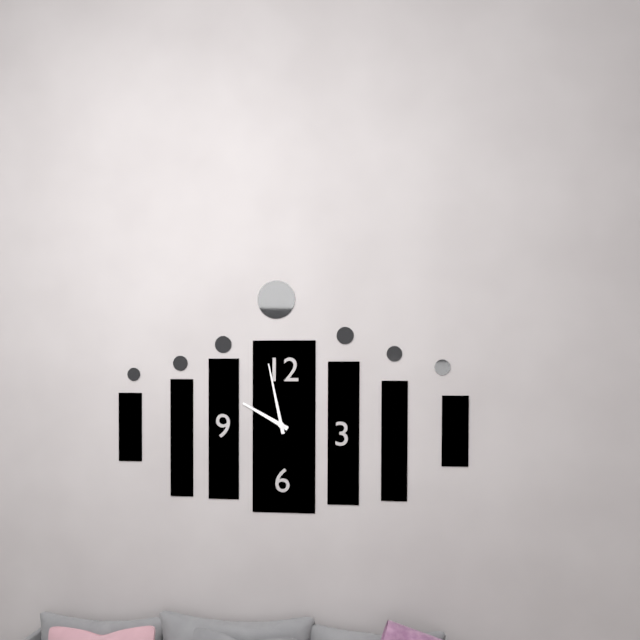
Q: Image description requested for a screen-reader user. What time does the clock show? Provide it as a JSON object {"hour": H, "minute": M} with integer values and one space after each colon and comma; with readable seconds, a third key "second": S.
{"hour": 9, "minute": 58}
